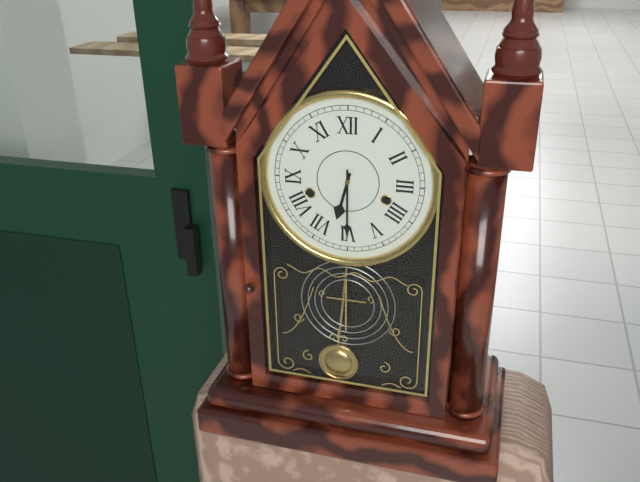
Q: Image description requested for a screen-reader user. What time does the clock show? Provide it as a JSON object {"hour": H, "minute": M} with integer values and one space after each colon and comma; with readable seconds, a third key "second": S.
{"hour": 6, "minute": 30}
